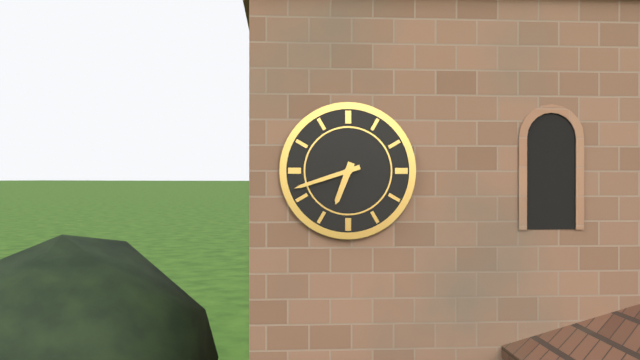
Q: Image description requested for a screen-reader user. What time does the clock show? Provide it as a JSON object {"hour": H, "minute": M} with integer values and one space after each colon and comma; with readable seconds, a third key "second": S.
{"hour": 6, "minute": 42}
